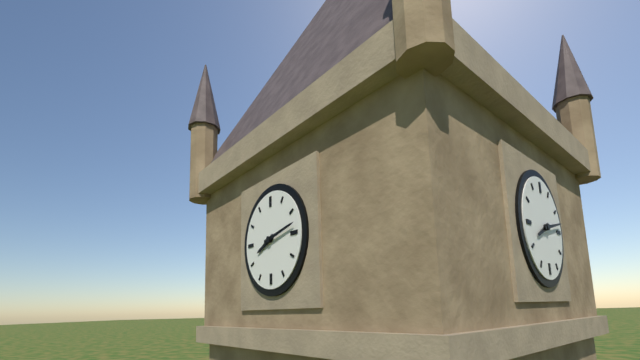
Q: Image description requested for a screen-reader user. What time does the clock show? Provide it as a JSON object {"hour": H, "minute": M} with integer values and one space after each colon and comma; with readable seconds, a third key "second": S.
{"hour": 8, "minute": 13}
